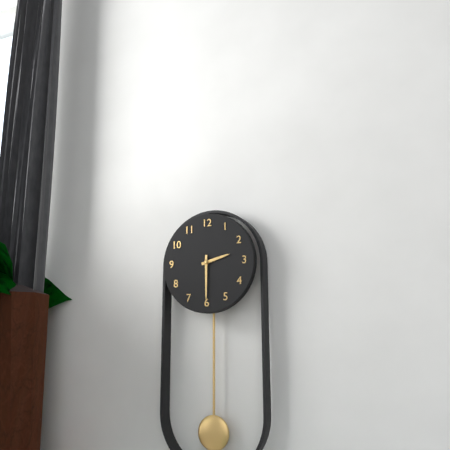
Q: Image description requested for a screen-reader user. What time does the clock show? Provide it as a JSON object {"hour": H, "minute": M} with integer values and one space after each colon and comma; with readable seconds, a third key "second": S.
{"hour": 2, "minute": 30}
